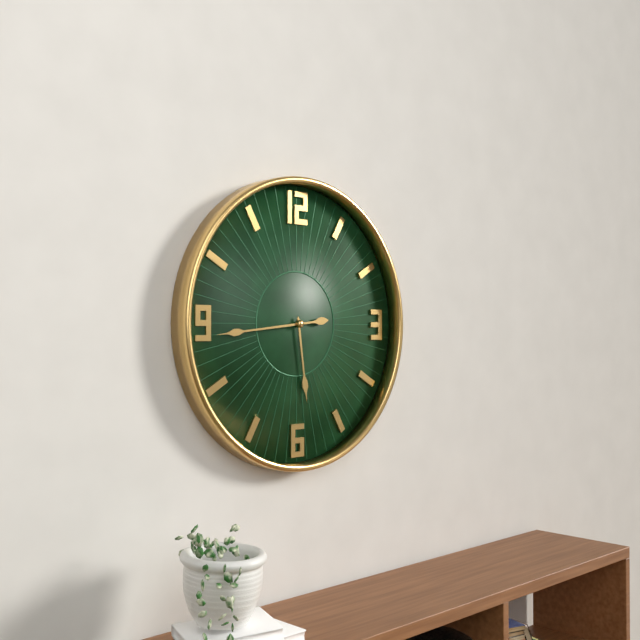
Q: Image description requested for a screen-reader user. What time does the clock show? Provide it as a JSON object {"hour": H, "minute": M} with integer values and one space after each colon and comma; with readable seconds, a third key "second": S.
{"hour": 5, "minute": 44}
